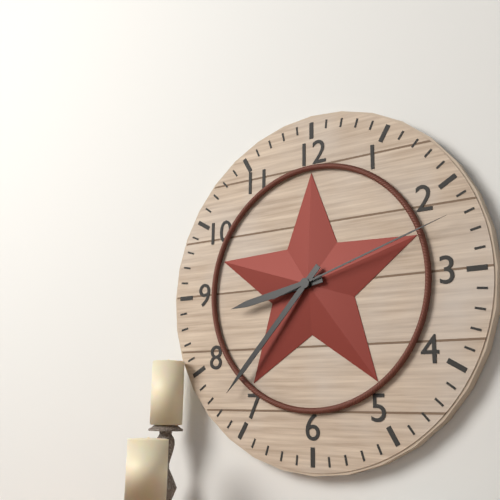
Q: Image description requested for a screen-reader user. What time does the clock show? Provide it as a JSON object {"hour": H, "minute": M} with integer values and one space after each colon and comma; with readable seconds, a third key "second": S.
{"hour": 8, "minute": 37, "second": 12}
